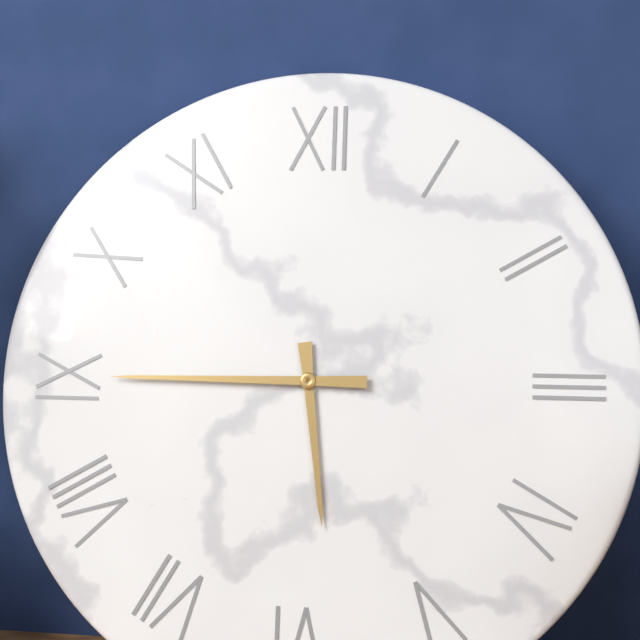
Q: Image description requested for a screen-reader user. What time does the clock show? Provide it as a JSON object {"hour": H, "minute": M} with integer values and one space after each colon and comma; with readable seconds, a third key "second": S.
{"hour": 5, "minute": 45}
